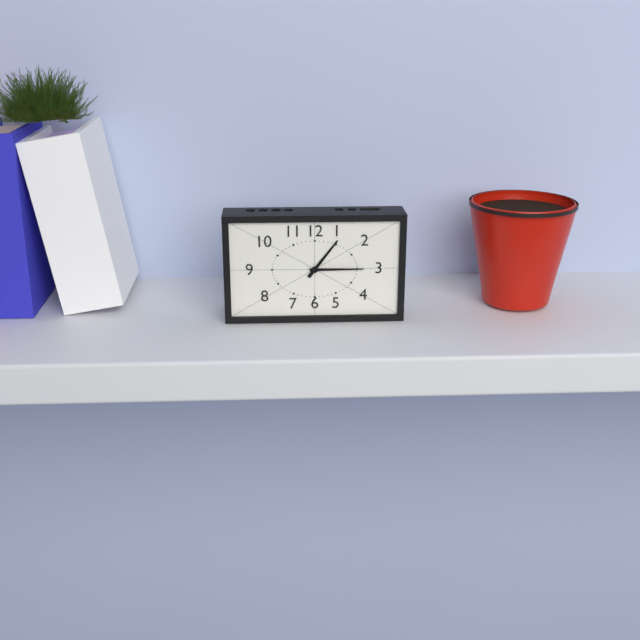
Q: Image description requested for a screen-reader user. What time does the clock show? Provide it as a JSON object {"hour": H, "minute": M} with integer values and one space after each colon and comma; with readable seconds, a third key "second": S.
{"hour": 1, "minute": 15}
